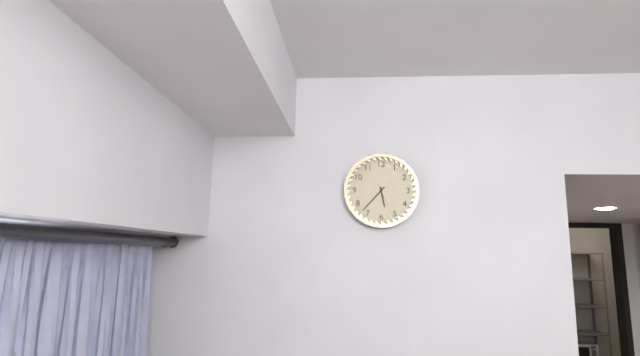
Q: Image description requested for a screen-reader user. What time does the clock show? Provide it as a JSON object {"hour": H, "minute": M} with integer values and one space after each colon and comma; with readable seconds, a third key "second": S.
{"hour": 5, "minute": 37}
